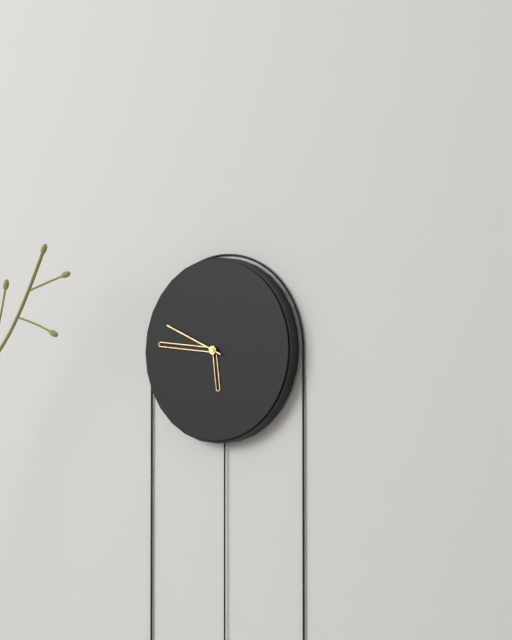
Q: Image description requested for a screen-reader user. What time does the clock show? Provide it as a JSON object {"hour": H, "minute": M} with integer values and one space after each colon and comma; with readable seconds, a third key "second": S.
{"hour": 5, "minute": 46, "second": 49}
